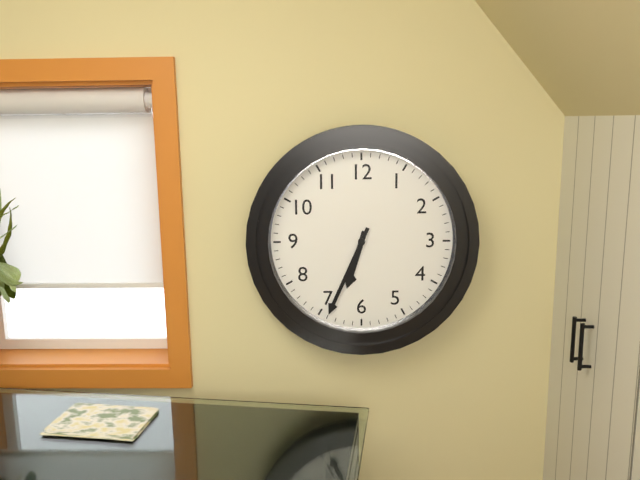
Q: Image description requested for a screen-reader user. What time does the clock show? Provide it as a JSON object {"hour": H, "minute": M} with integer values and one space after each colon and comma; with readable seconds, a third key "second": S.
{"hour": 6, "minute": 34}
